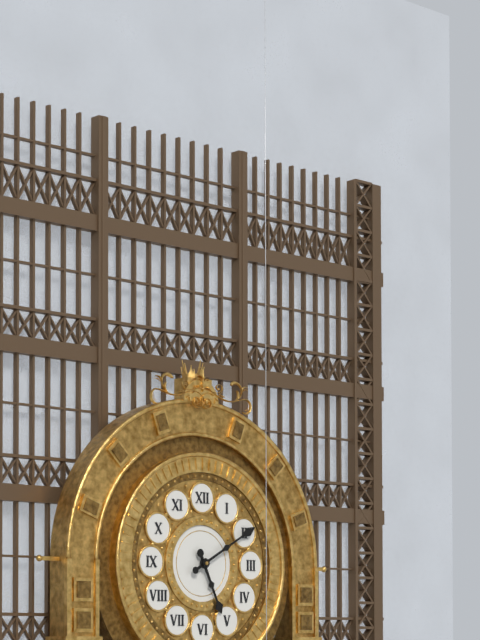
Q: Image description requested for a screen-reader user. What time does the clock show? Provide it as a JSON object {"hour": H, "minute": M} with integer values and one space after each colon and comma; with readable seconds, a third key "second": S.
{"hour": 5, "minute": 10}
